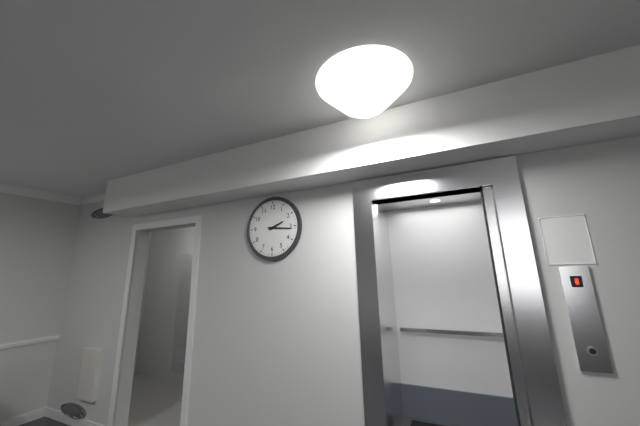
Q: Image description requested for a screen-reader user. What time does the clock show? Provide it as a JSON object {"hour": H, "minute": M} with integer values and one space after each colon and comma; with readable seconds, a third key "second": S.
{"hour": 2, "minute": 16}
